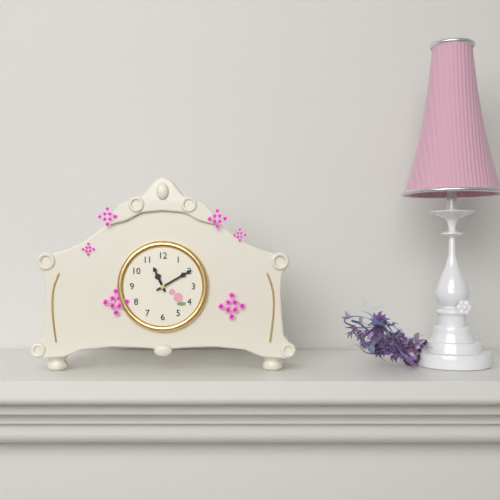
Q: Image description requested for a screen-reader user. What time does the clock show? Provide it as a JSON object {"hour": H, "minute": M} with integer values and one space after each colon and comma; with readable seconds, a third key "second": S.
{"hour": 11, "minute": 10}
